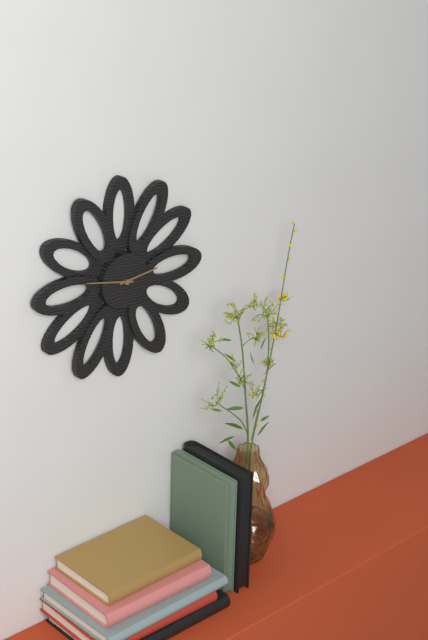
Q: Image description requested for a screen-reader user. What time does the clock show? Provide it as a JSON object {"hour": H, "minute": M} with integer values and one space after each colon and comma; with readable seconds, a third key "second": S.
{"hour": 2, "minute": 47}
